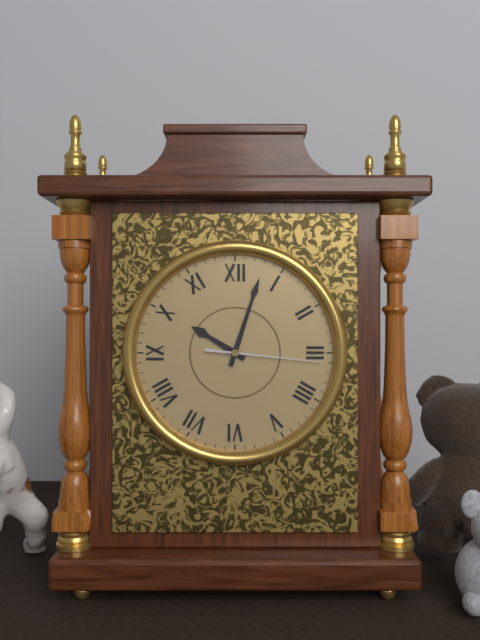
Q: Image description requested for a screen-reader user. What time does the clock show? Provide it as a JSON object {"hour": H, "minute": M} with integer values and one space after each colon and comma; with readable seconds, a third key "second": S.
{"hour": 10, "minute": 3, "second": 16}
